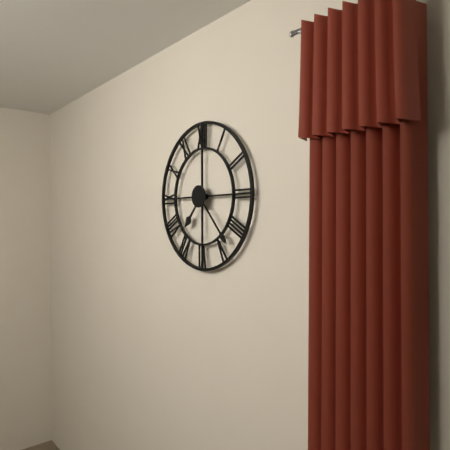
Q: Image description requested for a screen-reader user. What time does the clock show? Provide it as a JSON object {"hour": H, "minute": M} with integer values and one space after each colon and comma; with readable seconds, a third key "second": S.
{"hour": 7, "minute": 23}
